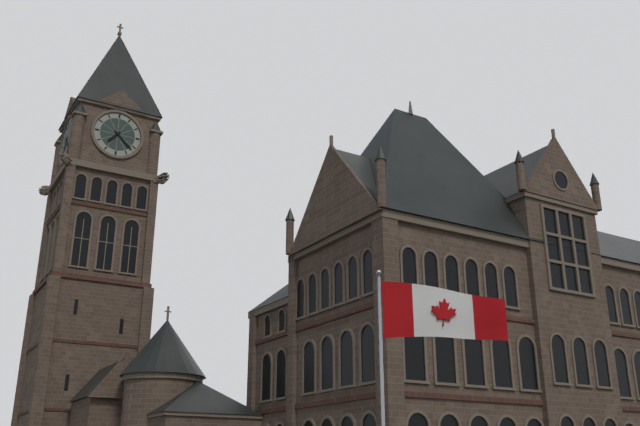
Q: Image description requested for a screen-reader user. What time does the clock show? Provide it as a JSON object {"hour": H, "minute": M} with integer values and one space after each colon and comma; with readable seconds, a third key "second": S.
{"hour": 7, "minute": 22}
